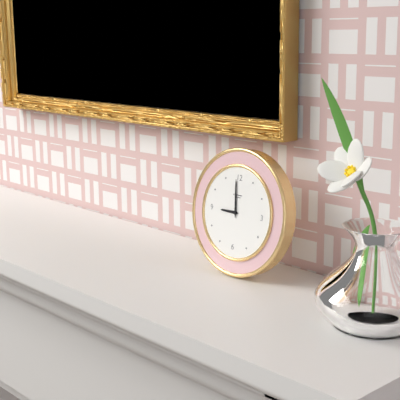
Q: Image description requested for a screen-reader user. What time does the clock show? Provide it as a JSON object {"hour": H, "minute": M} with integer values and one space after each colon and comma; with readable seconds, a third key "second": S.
{"hour": 8, "minute": 59}
